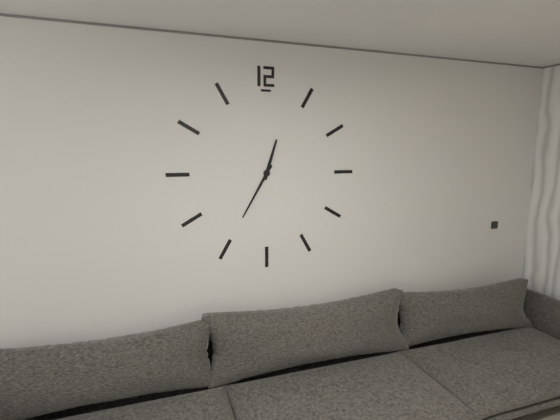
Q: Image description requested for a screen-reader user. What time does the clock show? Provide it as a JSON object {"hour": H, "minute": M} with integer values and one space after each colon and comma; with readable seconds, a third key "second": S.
{"hour": 12, "minute": 35}
